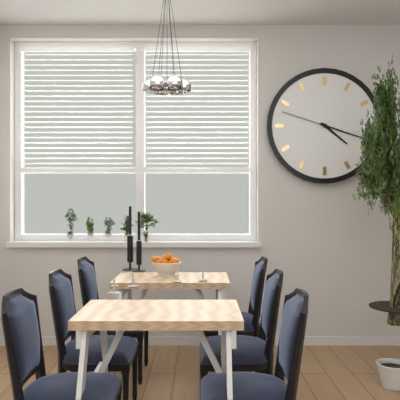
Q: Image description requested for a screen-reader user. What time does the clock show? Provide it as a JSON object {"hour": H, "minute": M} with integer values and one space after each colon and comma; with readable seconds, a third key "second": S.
{"hour": 4, "minute": 18, "second": 48}
